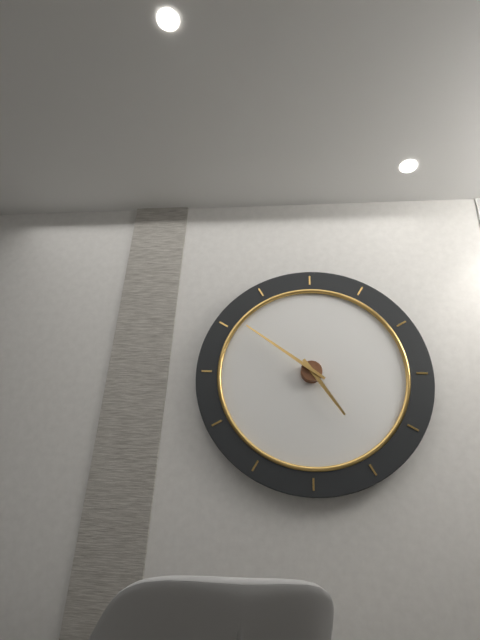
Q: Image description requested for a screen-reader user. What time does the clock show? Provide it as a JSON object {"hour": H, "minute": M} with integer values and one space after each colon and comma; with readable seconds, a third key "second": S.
{"hour": 4, "minute": 51}
